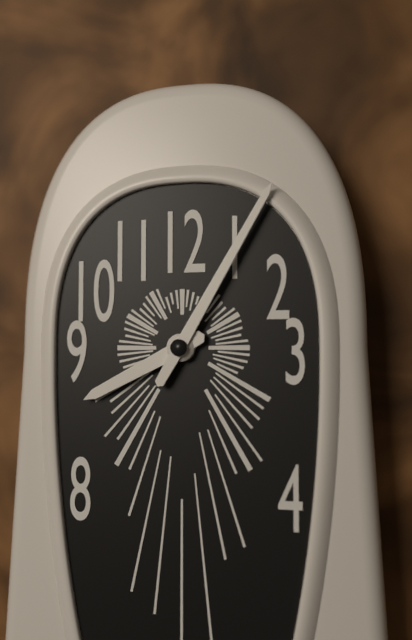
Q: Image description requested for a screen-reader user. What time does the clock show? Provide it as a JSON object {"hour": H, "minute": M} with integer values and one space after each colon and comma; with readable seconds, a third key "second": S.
{"hour": 8, "minute": 5}
